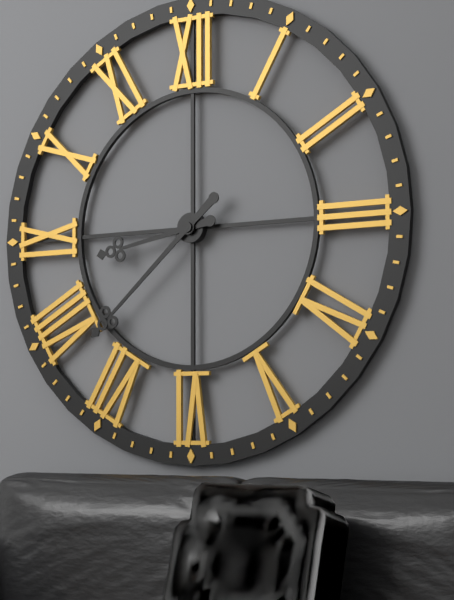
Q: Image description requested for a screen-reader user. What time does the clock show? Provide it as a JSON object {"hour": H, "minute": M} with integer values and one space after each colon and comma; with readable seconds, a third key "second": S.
{"hour": 8, "minute": 38}
